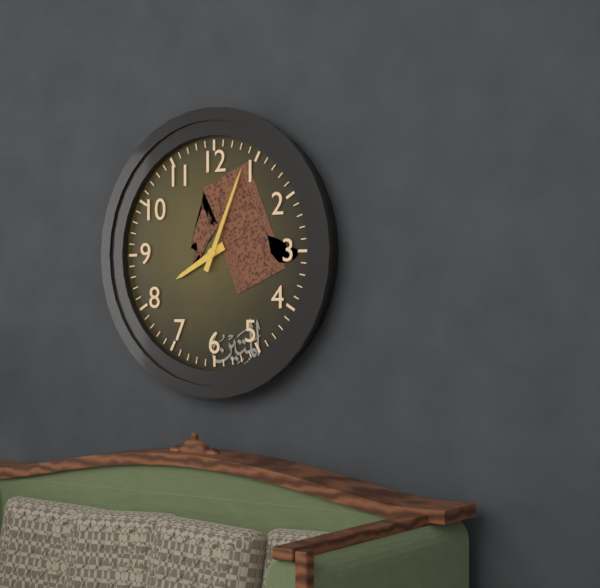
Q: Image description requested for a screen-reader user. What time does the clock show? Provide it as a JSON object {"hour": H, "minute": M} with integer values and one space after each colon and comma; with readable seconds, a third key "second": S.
{"hour": 8, "minute": 4}
